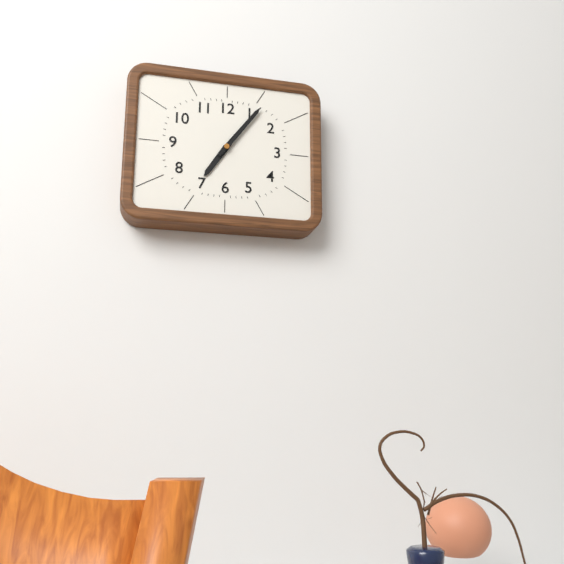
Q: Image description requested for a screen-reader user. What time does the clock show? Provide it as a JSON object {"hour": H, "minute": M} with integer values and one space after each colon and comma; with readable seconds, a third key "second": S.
{"hour": 7, "minute": 6}
